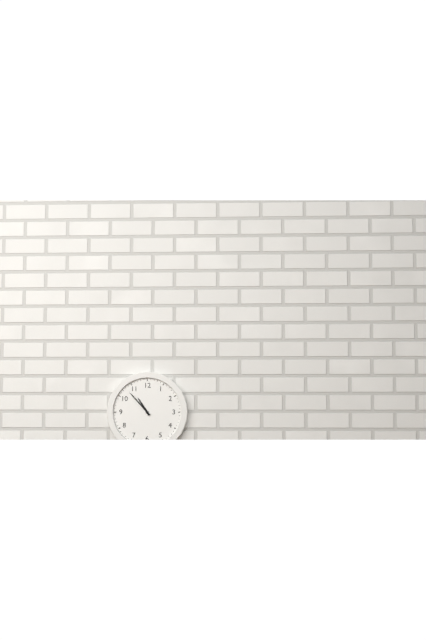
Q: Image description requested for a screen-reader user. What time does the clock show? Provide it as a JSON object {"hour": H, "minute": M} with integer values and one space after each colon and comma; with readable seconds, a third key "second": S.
{"hour": 10, "minute": 53}
